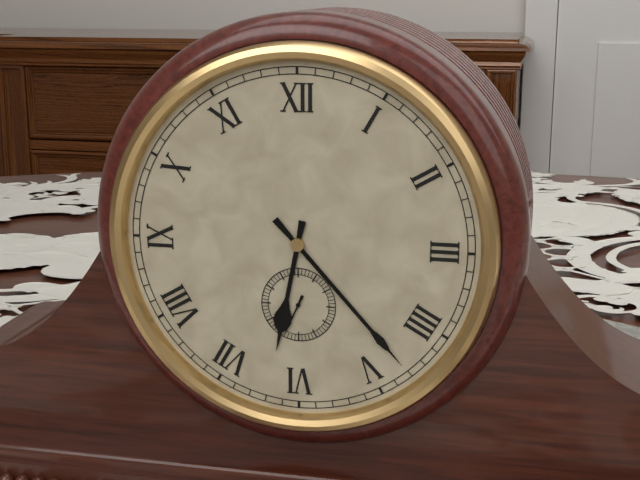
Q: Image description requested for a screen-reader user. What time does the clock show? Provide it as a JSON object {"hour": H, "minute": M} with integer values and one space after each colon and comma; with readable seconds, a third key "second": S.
{"hour": 6, "minute": 23, "second": 34}
